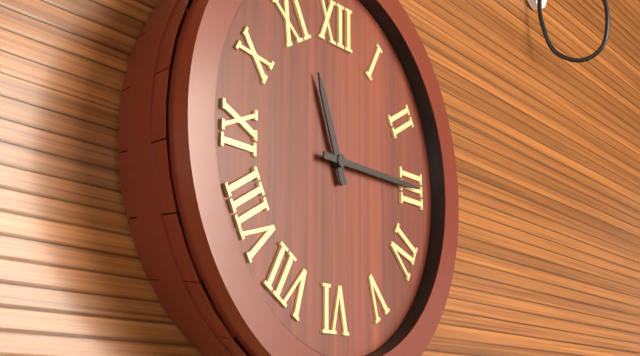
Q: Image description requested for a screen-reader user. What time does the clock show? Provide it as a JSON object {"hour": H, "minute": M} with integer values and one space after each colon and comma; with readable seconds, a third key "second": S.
{"hour": 11, "minute": 15}
